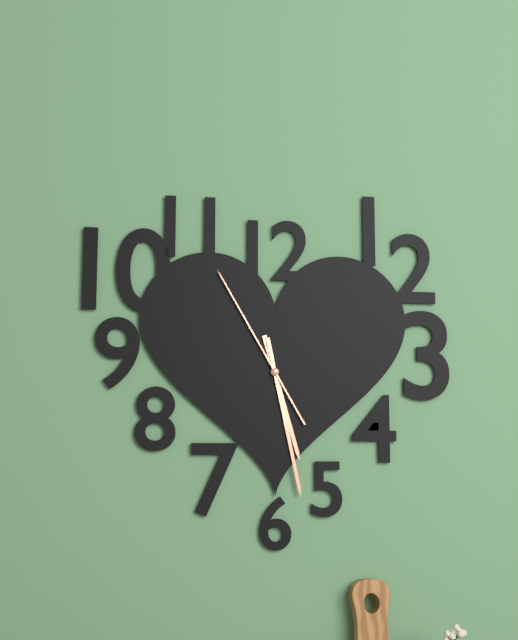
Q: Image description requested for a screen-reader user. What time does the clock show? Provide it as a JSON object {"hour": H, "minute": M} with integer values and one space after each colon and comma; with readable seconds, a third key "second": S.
{"hour": 5, "minute": 28, "second": 55}
